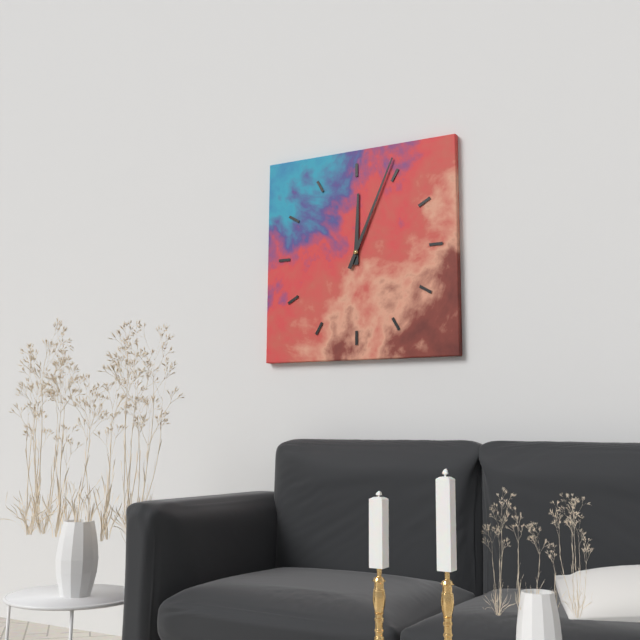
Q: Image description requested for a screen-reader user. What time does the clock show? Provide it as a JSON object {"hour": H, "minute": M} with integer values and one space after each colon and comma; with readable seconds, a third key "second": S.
{"hour": 12, "minute": 4}
